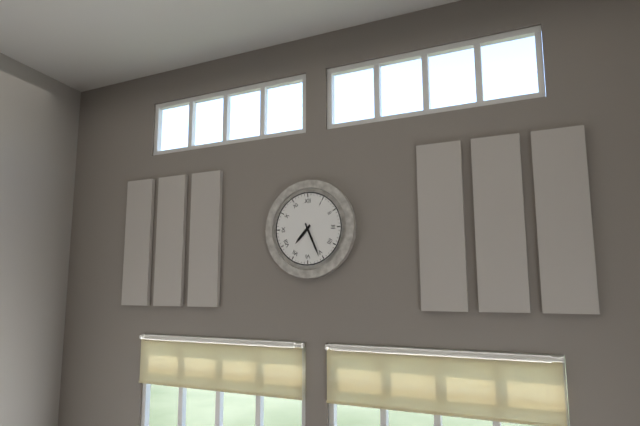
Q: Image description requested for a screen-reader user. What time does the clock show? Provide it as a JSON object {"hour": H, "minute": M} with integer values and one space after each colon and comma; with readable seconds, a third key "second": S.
{"hour": 7, "minute": 26}
